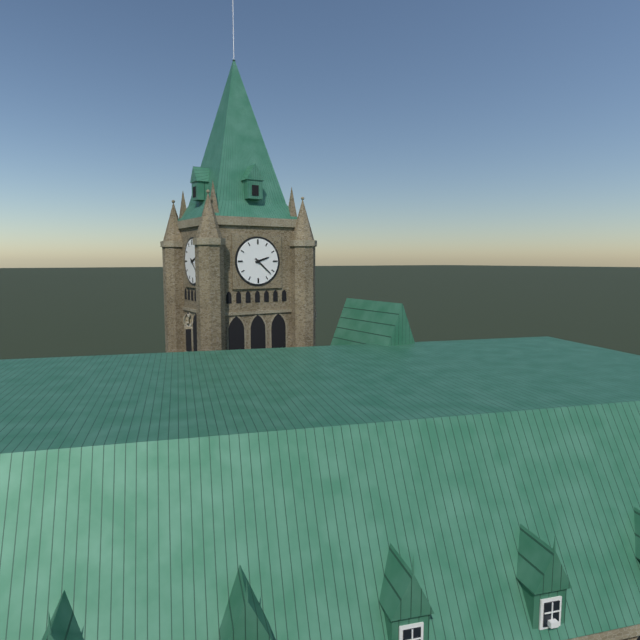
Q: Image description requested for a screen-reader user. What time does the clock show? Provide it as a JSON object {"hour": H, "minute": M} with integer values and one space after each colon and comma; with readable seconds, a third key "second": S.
{"hour": 2, "minute": 22}
